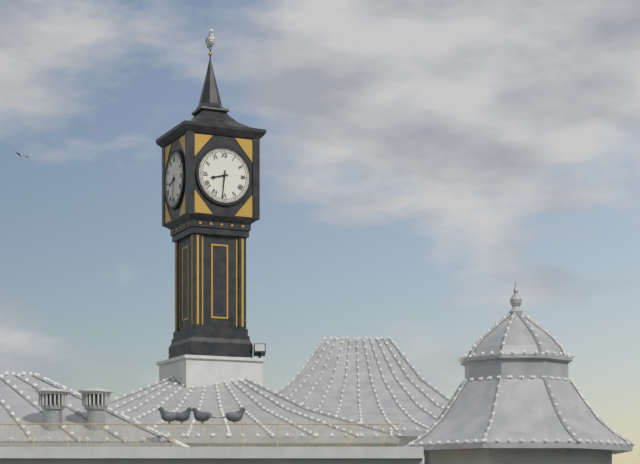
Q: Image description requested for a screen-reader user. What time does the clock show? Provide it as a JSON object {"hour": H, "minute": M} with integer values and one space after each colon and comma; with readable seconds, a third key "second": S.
{"hour": 8, "minute": 31}
